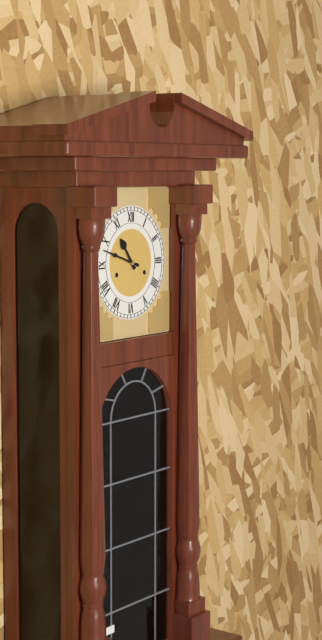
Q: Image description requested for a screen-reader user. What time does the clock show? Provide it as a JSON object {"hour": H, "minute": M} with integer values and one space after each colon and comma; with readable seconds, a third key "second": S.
{"hour": 10, "minute": 48}
